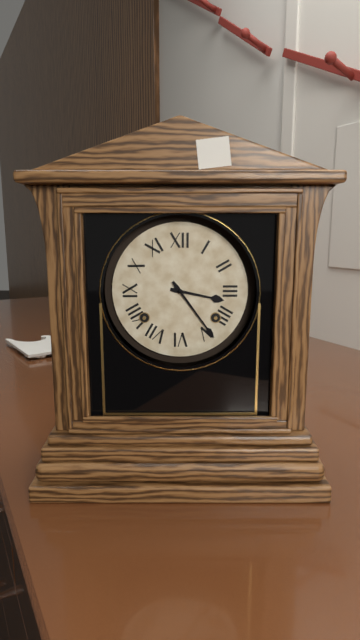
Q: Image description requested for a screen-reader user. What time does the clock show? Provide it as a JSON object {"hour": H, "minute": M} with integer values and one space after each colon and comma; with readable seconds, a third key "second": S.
{"hour": 3, "minute": 24}
